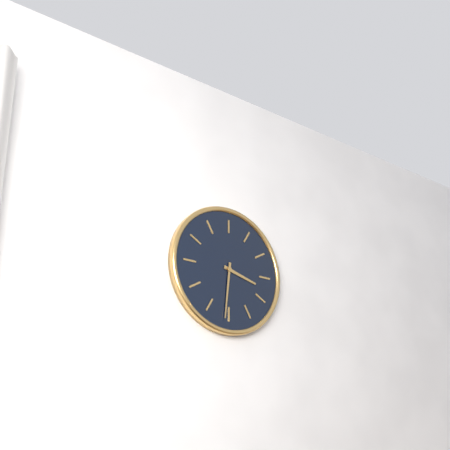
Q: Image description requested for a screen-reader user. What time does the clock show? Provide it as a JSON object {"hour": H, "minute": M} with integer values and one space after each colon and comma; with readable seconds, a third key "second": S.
{"hour": 3, "minute": 31}
